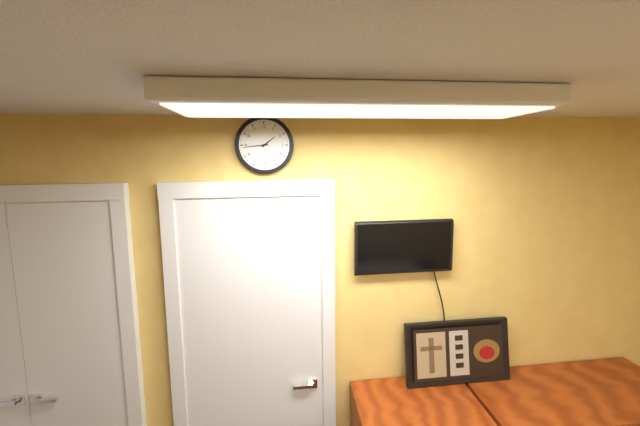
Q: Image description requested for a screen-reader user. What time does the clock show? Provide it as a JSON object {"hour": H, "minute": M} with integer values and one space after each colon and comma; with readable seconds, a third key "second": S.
{"hour": 1, "minute": 44}
